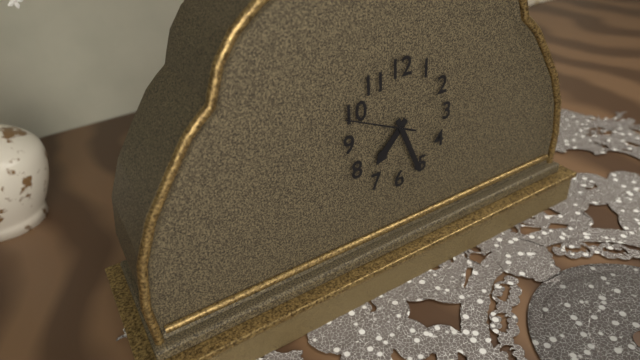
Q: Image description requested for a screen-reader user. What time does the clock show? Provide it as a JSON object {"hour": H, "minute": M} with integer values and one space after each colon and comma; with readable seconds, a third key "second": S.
{"hour": 7, "minute": 26, "second": 49}
